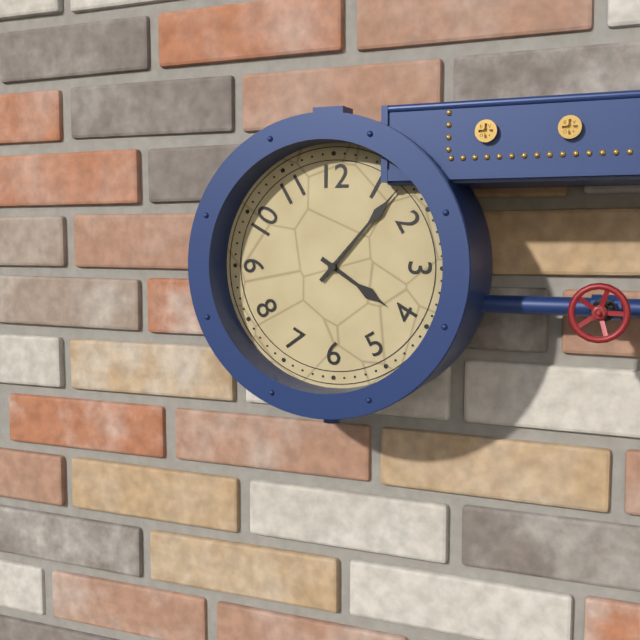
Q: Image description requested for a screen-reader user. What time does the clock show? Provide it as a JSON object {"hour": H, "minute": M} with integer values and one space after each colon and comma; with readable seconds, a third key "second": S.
{"hour": 4, "minute": 7}
